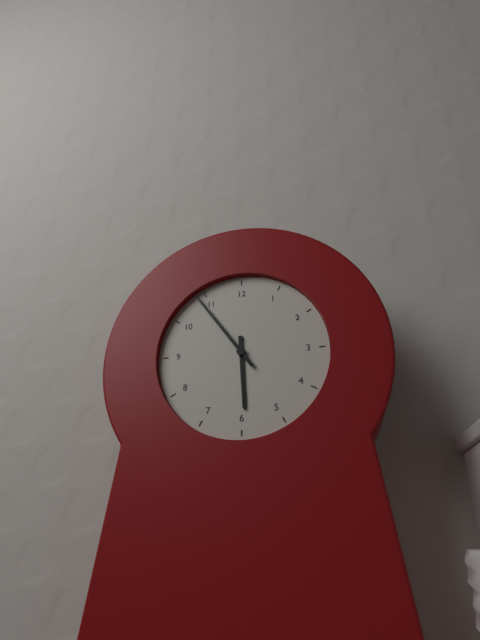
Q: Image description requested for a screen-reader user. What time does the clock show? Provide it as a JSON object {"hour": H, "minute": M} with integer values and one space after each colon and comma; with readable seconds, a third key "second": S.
{"hour": 5, "minute": 54}
